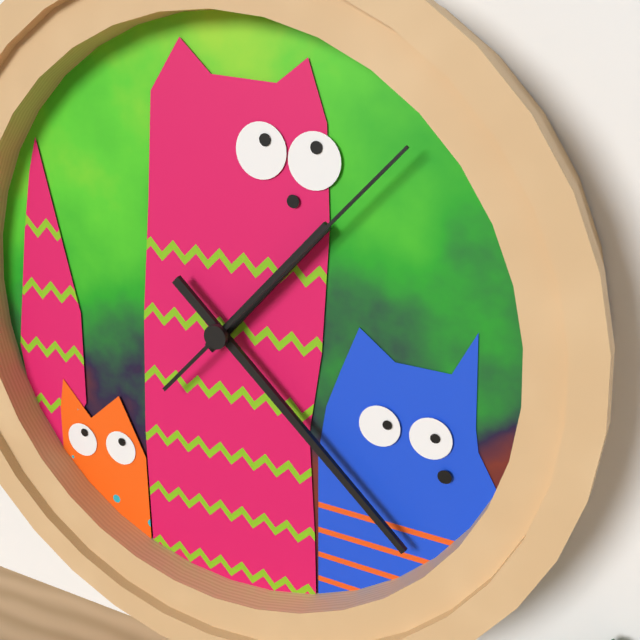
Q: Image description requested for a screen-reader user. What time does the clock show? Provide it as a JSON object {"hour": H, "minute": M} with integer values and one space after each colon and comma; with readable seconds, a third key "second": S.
{"hour": 1, "minute": 22, "second": 7}
